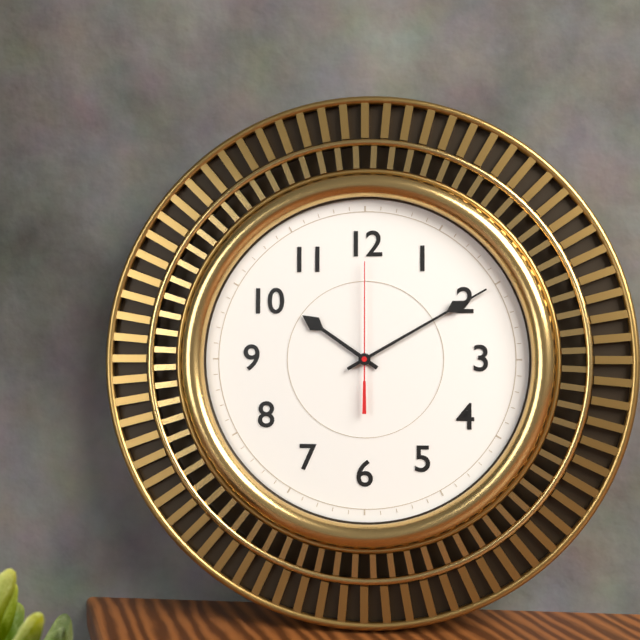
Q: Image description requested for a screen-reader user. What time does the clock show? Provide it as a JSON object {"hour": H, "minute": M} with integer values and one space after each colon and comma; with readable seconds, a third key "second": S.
{"hour": 10, "minute": 10, "second": 0}
